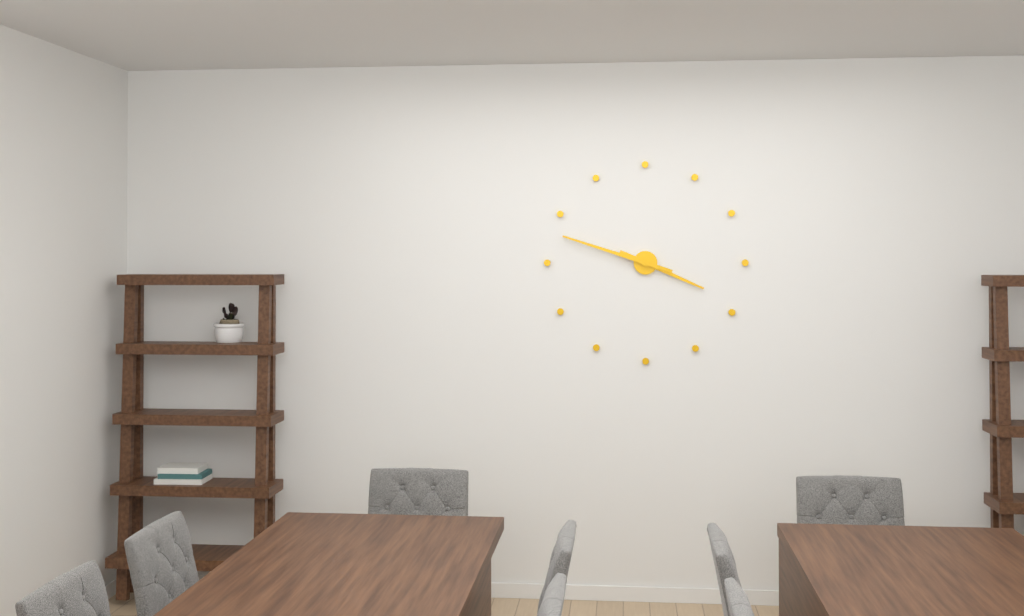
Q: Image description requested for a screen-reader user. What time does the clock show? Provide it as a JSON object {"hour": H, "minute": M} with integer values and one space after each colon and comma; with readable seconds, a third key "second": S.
{"hour": 3, "minute": 48}
